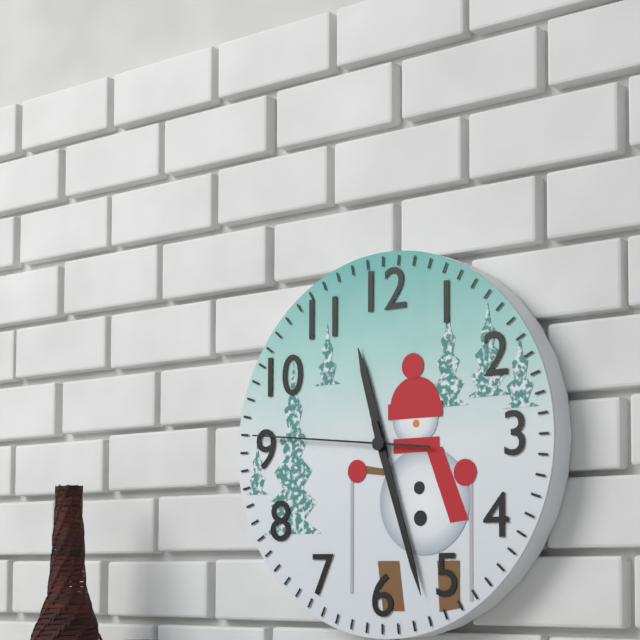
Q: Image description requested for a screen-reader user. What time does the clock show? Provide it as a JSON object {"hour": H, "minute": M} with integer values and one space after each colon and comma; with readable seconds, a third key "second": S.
{"hour": 11, "minute": 27, "second": 46}
